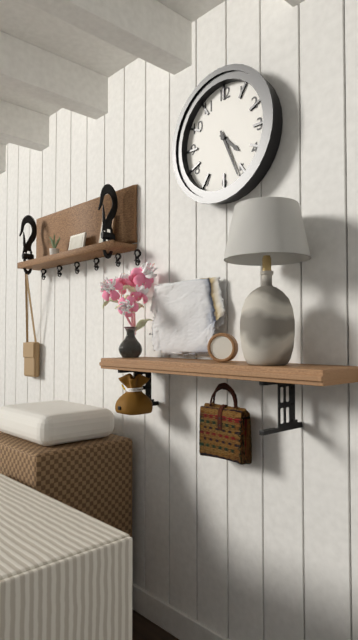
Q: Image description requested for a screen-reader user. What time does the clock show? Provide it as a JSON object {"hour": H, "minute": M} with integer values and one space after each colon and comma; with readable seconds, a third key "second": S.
{"hour": 4, "minute": 26}
